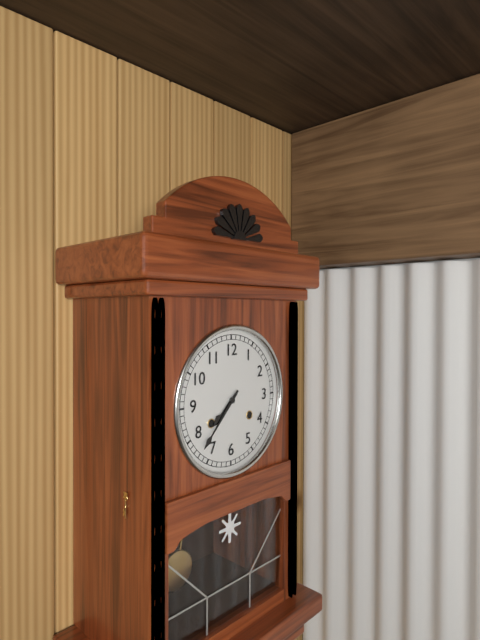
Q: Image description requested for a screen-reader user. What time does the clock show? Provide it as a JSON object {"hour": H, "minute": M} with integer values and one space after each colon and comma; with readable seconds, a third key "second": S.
{"hour": 7, "minute": 37}
